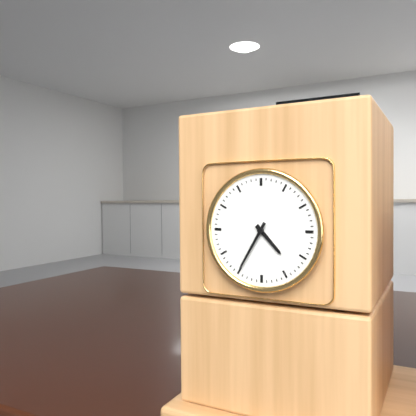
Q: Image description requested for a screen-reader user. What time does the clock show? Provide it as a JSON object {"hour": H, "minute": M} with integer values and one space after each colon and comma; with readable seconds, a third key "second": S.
{"hour": 4, "minute": 35}
